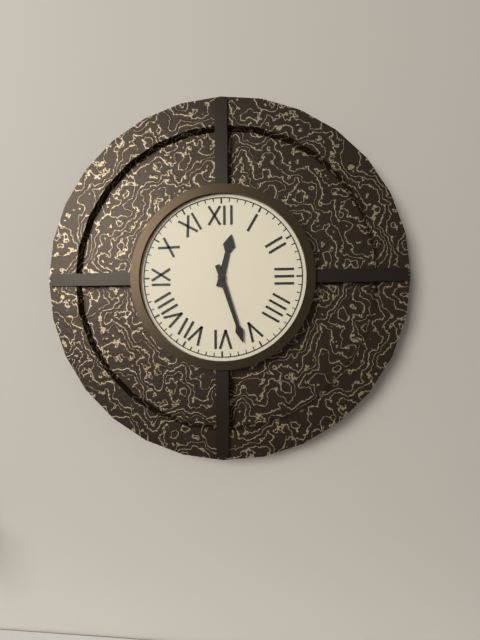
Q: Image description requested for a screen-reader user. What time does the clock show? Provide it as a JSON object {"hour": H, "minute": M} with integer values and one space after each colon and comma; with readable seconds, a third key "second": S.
{"hour": 12, "minute": 27}
